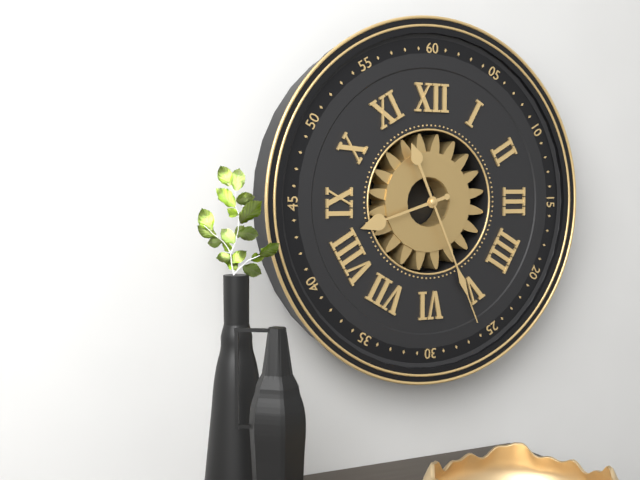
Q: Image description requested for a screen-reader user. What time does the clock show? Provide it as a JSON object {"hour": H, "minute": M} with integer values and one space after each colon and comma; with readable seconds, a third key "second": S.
{"hour": 8, "minute": 26}
